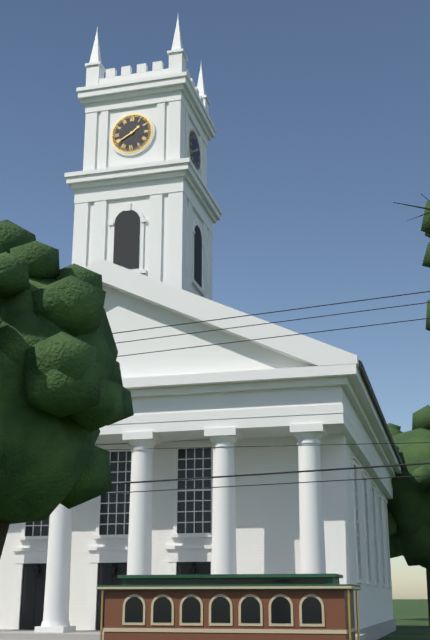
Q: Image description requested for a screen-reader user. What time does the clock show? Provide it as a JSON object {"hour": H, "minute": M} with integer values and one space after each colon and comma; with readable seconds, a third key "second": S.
{"hour": 1, "minute": 40}
